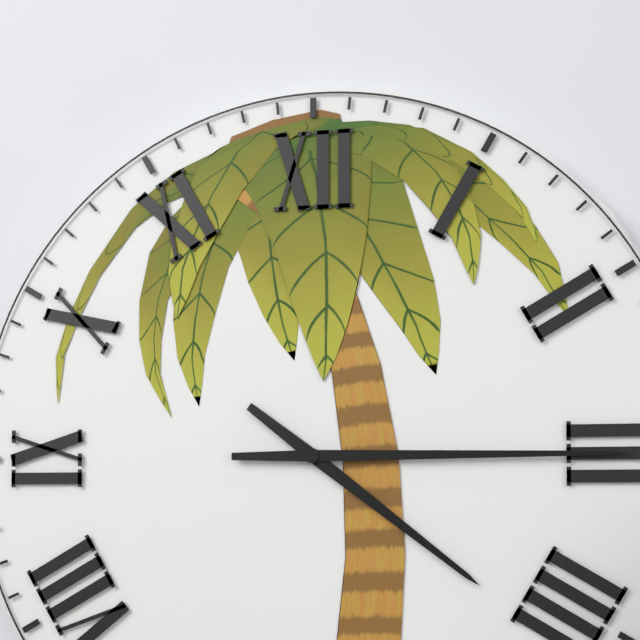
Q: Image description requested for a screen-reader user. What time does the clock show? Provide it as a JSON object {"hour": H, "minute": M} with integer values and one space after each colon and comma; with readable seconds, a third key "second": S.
{"hour": 4, "minute": 15}
